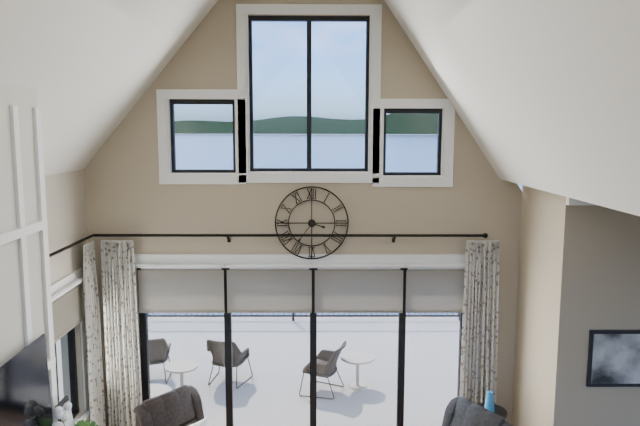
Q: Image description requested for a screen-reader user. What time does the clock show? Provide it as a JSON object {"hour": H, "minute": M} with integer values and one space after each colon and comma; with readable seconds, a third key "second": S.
{"hour": 3, "minute": 36}
